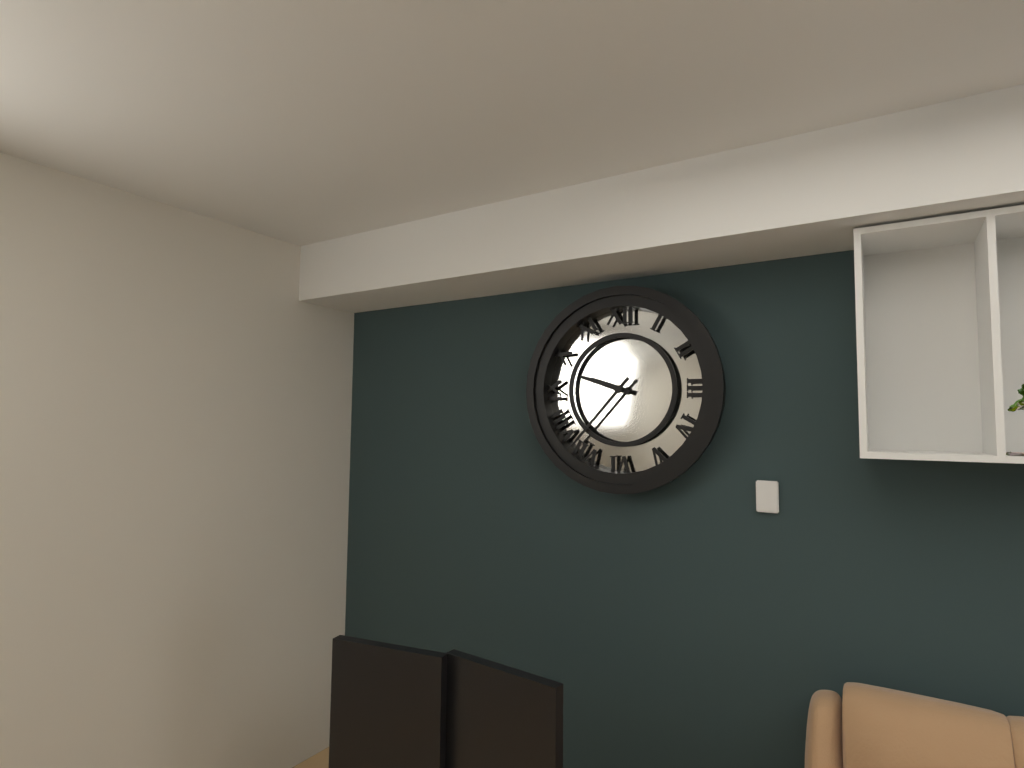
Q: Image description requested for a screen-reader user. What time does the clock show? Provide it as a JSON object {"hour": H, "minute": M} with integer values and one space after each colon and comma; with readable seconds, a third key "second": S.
{"hour": 9, "minute": 37}
